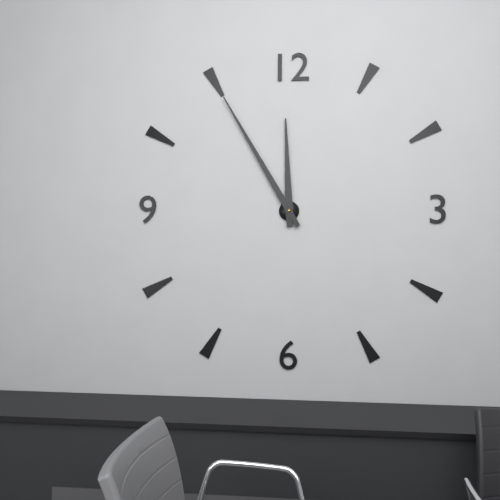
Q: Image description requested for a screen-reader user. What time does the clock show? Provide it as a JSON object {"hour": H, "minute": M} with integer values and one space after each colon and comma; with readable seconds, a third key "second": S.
{"hour": 11, "minute": 55}
